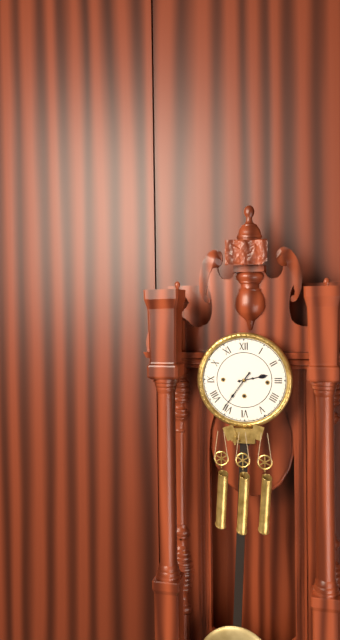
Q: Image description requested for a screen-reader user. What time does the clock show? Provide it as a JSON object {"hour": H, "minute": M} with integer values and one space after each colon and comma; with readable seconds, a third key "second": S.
{"hour": 2, "minute": 36}
